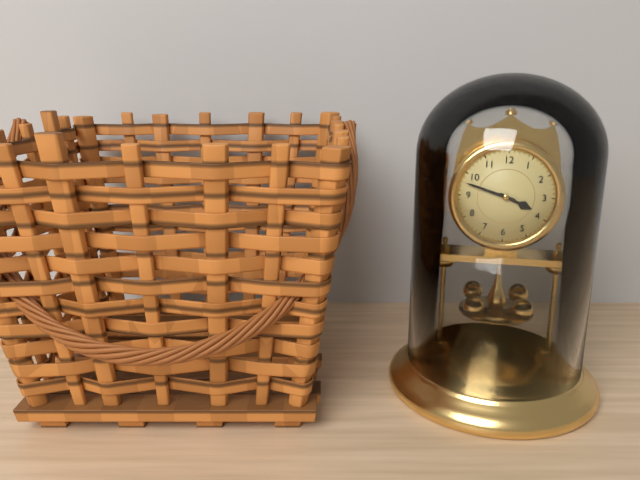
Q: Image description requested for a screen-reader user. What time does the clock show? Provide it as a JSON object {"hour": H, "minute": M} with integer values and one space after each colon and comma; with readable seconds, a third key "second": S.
{"hour": 3, "minute": 48}
